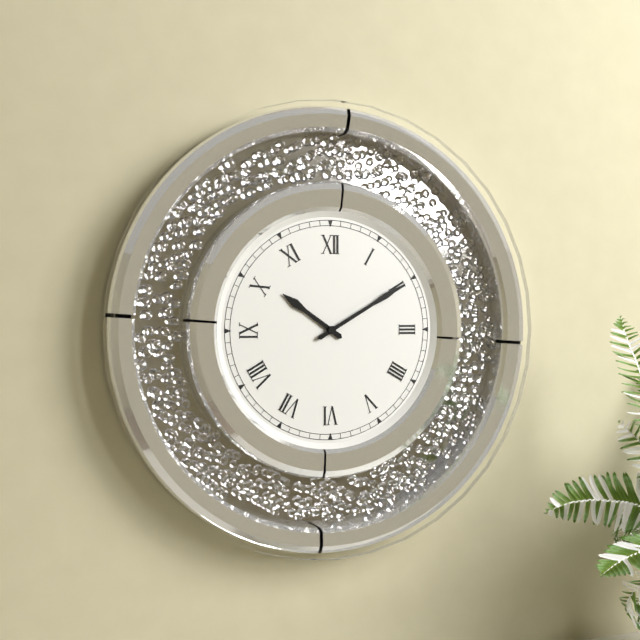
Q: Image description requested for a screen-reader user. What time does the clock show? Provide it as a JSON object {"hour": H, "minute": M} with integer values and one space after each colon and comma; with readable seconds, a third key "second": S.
{"hour": 10, "minute": 10}
